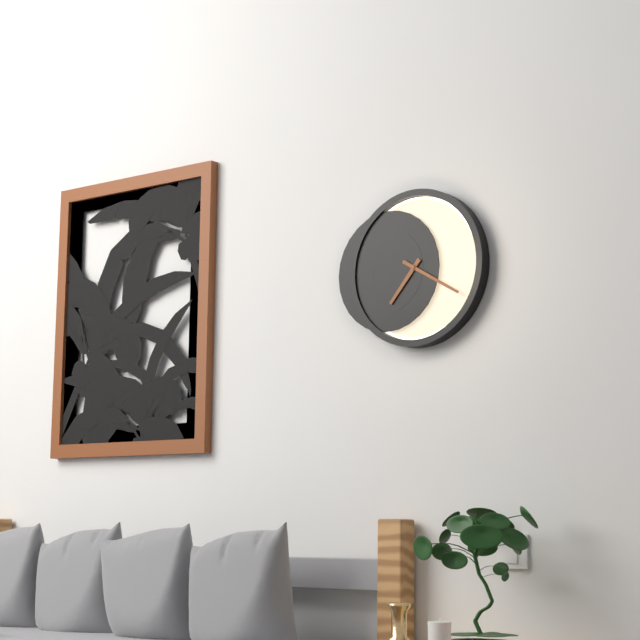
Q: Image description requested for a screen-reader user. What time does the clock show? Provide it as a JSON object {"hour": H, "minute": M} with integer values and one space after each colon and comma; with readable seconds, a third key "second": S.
{"hour": 7, "minute": 20}
